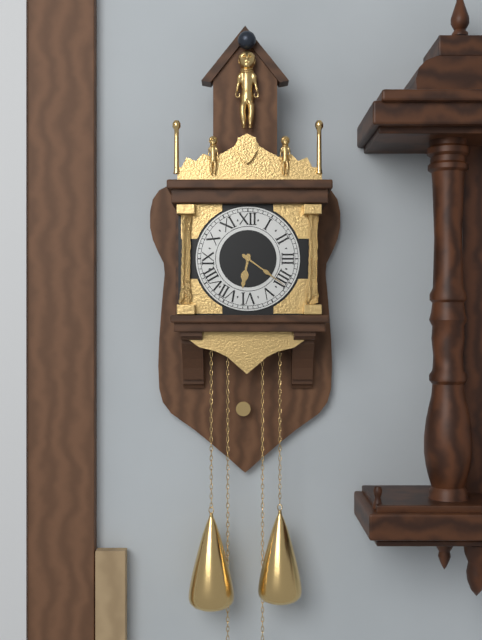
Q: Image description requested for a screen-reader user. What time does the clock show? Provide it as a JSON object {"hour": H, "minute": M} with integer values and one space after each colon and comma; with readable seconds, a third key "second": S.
{"hour": 6, "minute": 21}
